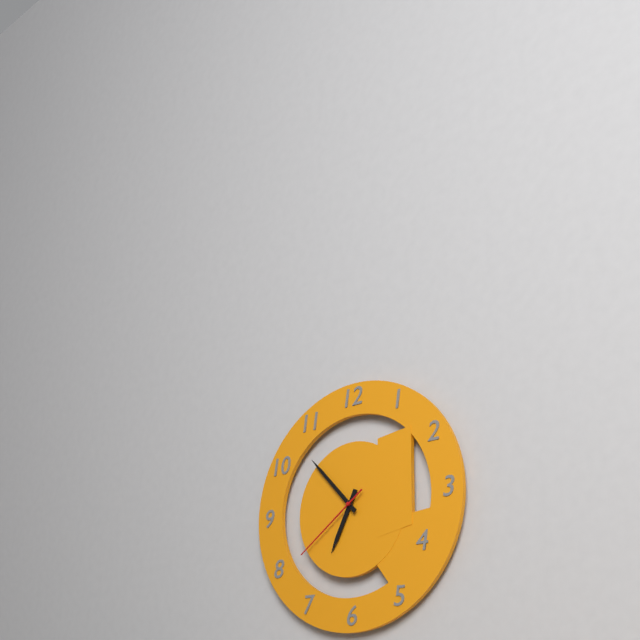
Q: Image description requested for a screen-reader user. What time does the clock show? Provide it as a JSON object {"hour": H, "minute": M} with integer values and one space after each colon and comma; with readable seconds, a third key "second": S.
{"hour": 6, "minute": 53, "second": 39}
